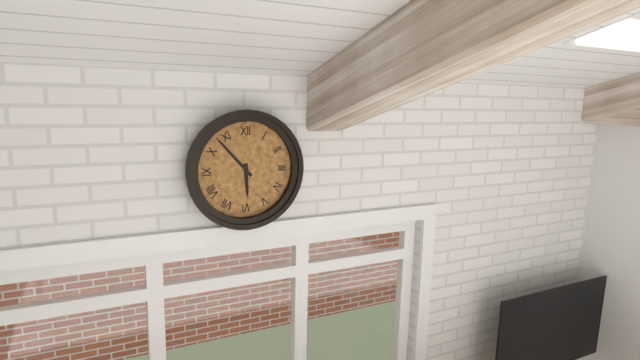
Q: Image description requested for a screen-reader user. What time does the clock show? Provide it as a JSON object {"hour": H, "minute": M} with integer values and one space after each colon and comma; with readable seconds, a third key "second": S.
{"hour": 5, "minute": 53}
